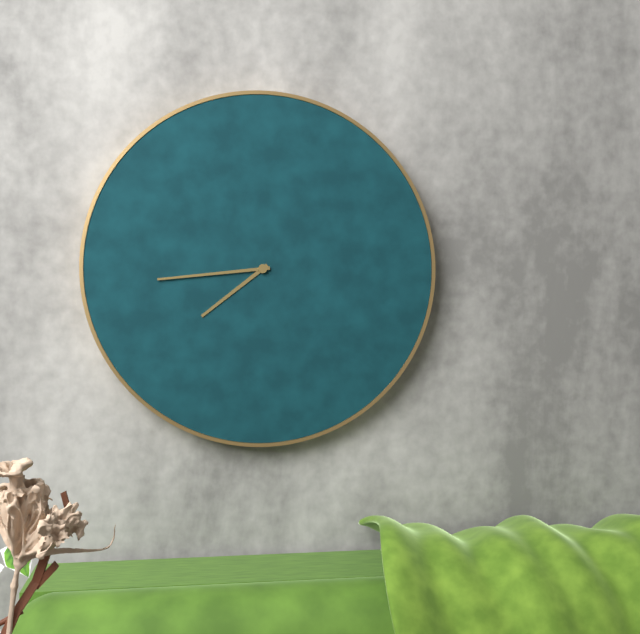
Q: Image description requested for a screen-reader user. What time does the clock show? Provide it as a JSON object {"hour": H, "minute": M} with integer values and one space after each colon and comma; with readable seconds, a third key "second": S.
{"hour": 7, "minute": 44}
